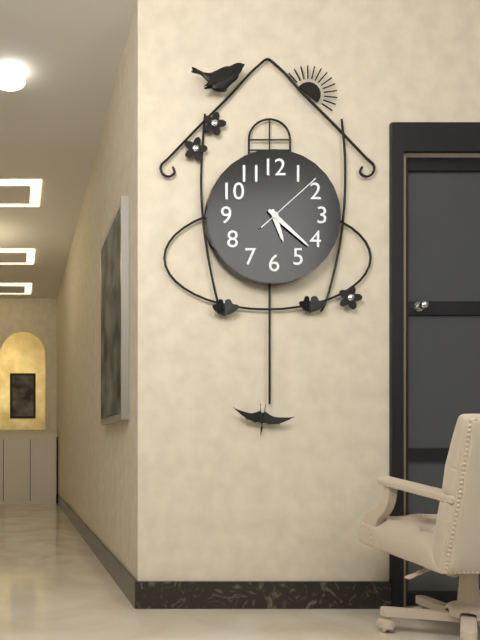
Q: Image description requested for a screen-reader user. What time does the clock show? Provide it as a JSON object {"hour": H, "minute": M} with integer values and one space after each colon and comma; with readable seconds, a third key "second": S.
{"hour": 5, "minute": 22, "second": 8}
